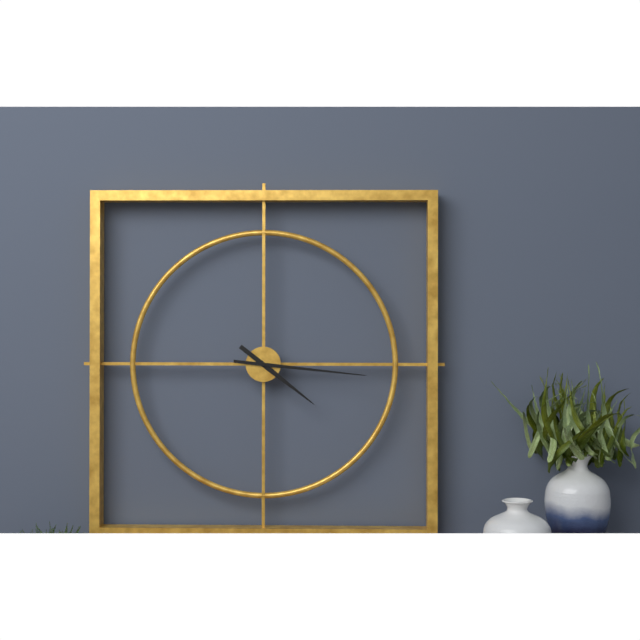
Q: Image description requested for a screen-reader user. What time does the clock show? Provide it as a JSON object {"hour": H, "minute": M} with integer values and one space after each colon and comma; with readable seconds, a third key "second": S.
{"hour": 4, "minute": 16}
